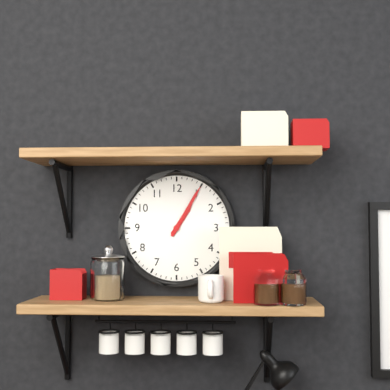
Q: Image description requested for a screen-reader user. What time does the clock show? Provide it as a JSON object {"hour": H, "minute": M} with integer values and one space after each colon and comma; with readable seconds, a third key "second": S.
{"hour": 1, "minute": 5}
